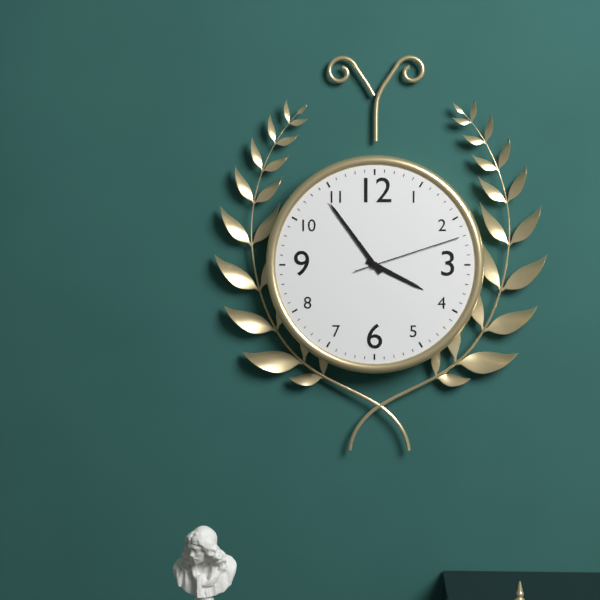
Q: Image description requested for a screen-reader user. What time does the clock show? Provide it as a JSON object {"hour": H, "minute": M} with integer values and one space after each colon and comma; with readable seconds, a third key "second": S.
{"hour": 3, "minute": 54, "second": 12}
